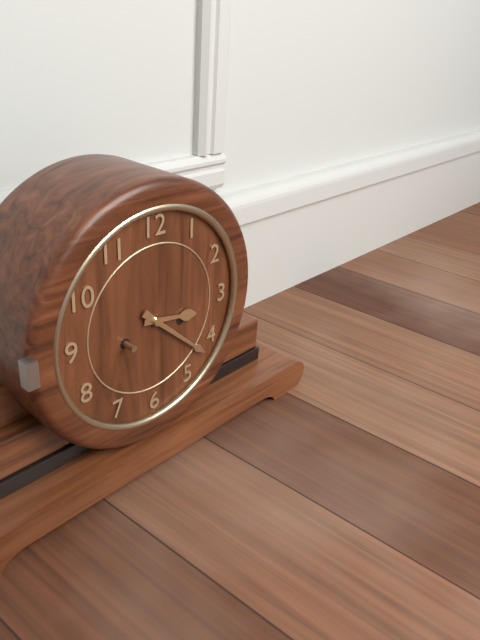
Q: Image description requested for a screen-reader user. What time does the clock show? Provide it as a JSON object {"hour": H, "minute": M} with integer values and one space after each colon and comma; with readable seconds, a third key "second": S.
{"hour": 3, "minute": 22}
